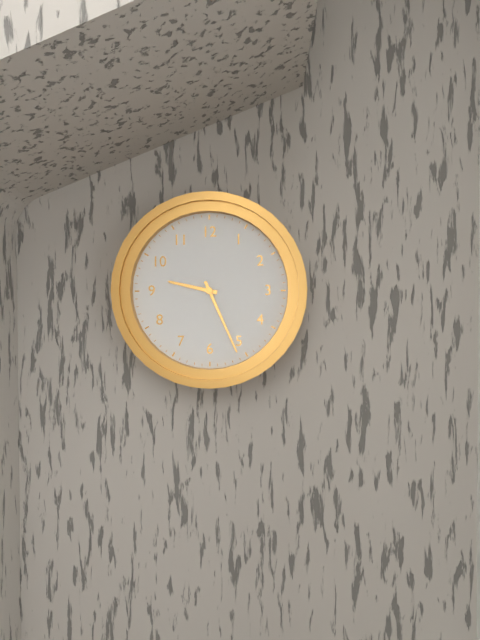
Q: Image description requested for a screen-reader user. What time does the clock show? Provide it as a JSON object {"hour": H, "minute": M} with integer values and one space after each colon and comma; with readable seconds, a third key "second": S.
{"hour": 9, "minute": 26}
